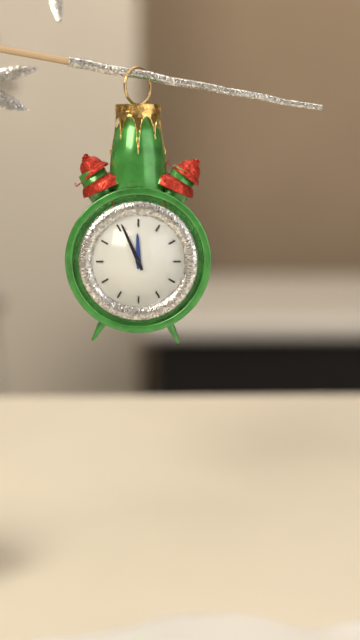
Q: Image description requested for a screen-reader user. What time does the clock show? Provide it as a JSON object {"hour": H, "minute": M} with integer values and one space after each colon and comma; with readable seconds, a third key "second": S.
{"hour": 11, "minute": 56}
